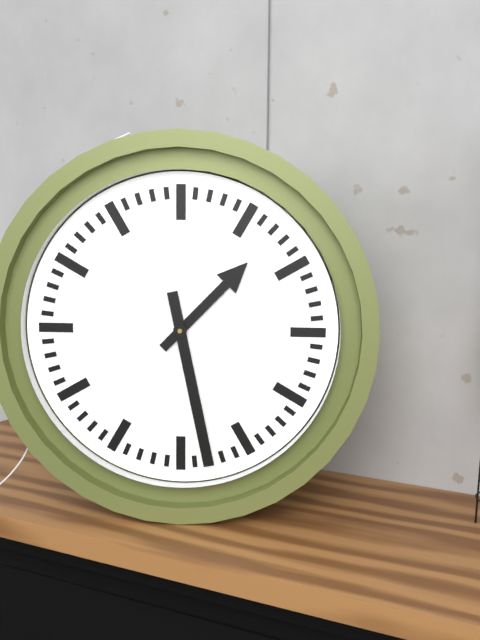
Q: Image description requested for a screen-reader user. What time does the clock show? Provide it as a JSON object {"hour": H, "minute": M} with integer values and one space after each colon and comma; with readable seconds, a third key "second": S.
{"hour": 1, "minute": 28}
